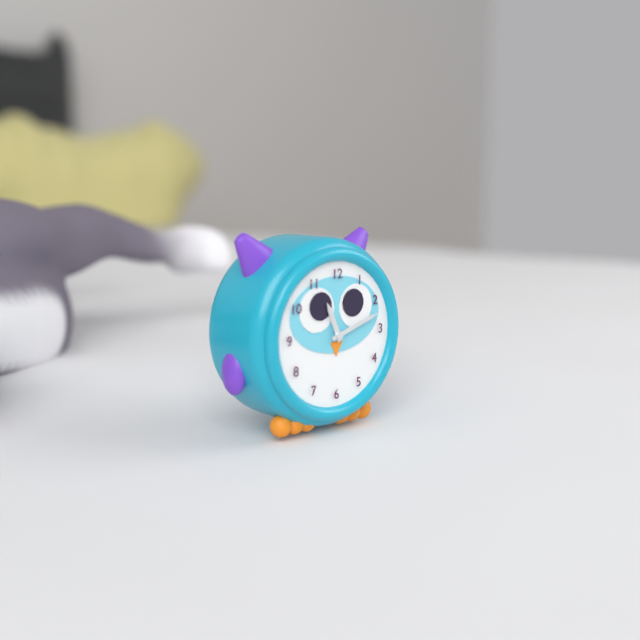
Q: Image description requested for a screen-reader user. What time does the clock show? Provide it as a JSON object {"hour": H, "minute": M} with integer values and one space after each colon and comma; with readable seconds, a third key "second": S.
{"hour": 11, "minute": 12}
